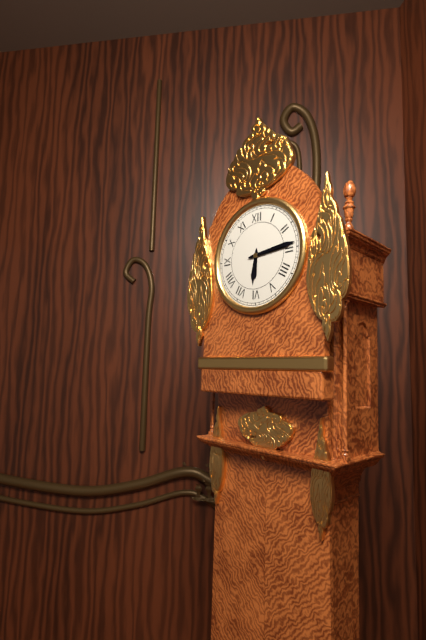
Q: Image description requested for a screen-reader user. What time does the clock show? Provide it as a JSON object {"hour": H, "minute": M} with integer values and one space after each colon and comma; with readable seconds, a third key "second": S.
{"hour": 6, "minute": 14}
